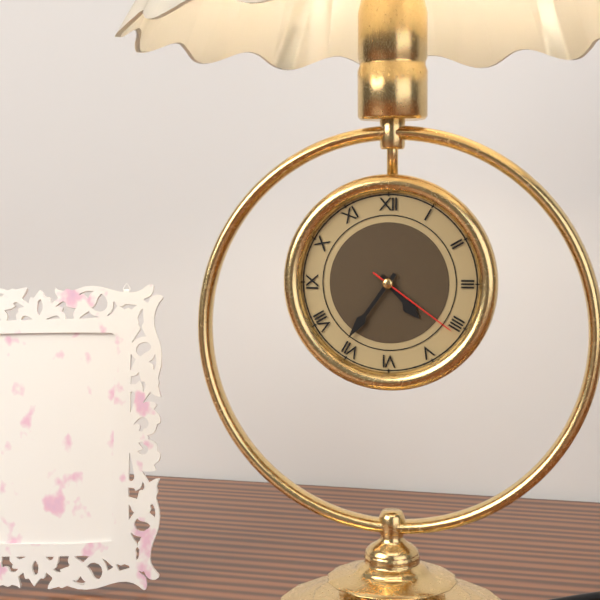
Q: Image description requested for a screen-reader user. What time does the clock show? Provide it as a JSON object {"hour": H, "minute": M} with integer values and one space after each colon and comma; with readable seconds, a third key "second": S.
{"hour": 4, "minute": 36, "second": 21}
